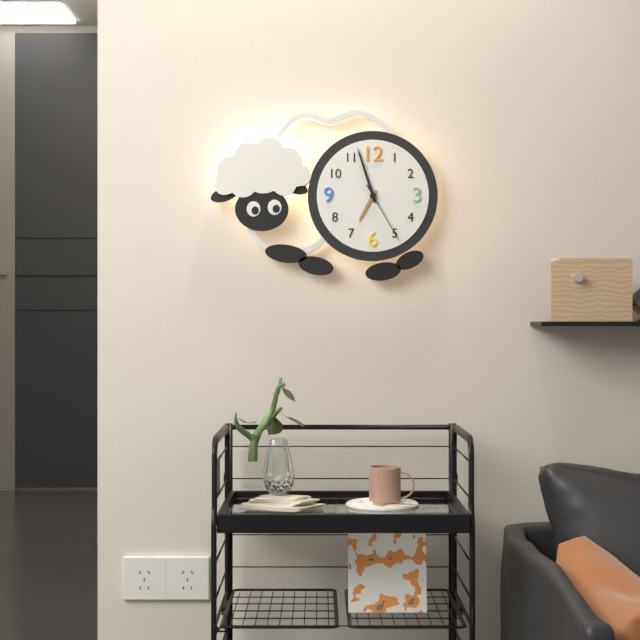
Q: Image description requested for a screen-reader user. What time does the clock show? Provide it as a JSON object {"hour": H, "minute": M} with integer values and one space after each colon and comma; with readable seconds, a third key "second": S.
{"hour": 6, "minute": 57, "second": 25}
